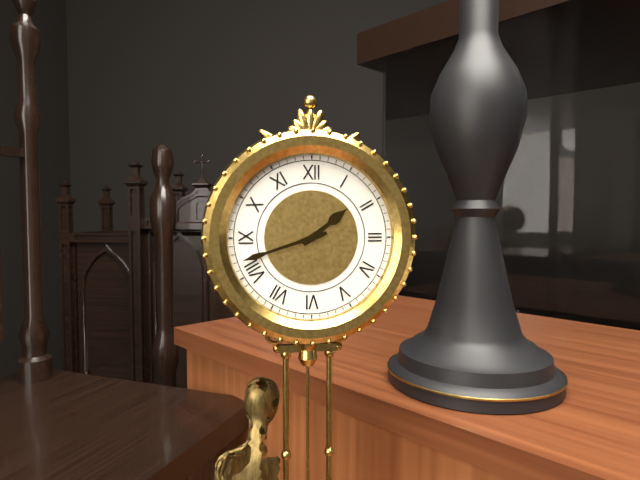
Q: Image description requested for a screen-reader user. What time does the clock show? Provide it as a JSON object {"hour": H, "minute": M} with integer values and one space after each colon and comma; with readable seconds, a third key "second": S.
{"hour": 1, "minute": 42}
